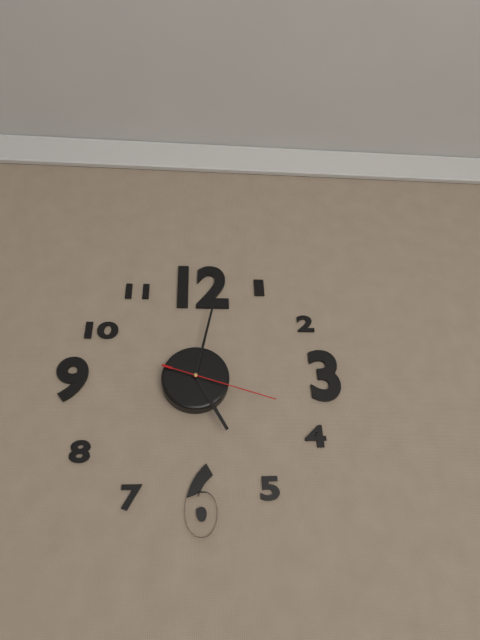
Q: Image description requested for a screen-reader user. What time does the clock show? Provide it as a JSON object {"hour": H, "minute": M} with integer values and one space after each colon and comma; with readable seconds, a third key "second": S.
{"hour": 5, "minute": 2, "second": 18}
